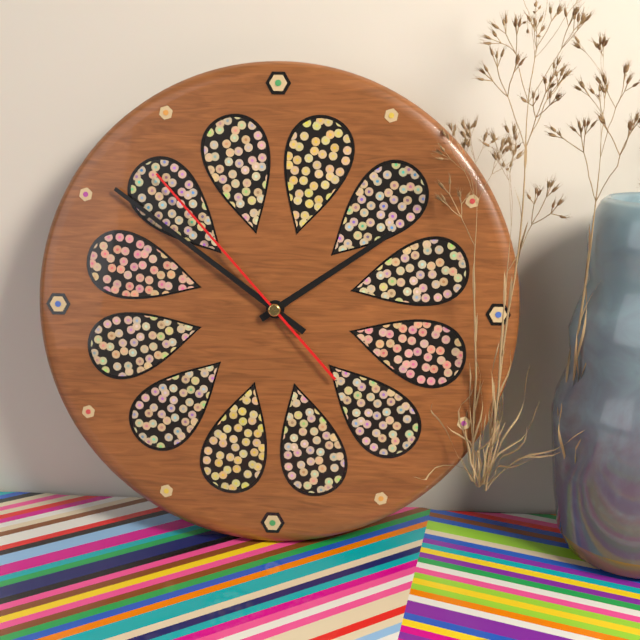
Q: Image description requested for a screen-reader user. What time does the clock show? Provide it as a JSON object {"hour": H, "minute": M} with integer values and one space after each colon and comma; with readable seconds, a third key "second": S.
{"hour": 1, "minute": 51, "second": 53}
